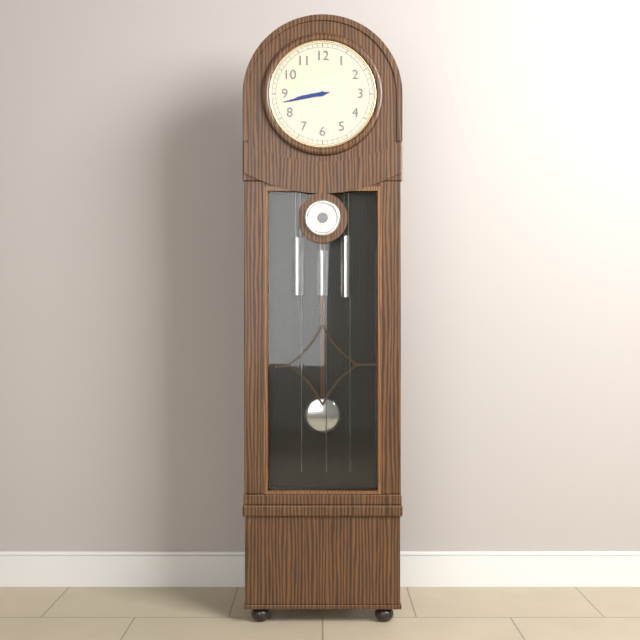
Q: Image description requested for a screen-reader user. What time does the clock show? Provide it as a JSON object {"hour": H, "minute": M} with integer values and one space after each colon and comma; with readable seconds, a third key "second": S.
{"hour": 8, "minute": 43}
